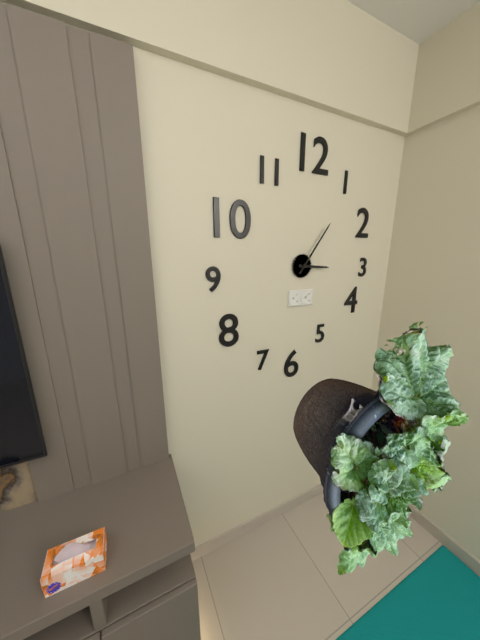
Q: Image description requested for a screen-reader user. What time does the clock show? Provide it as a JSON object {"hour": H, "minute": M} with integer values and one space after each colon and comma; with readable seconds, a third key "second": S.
{"hour": 3, "minute": 6}
